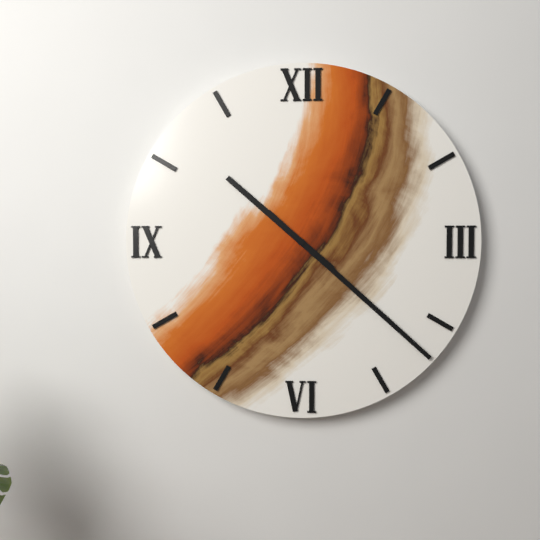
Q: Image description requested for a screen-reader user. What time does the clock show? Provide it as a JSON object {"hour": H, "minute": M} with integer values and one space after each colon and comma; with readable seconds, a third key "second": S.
{"hour": 10, "minute": 22}
